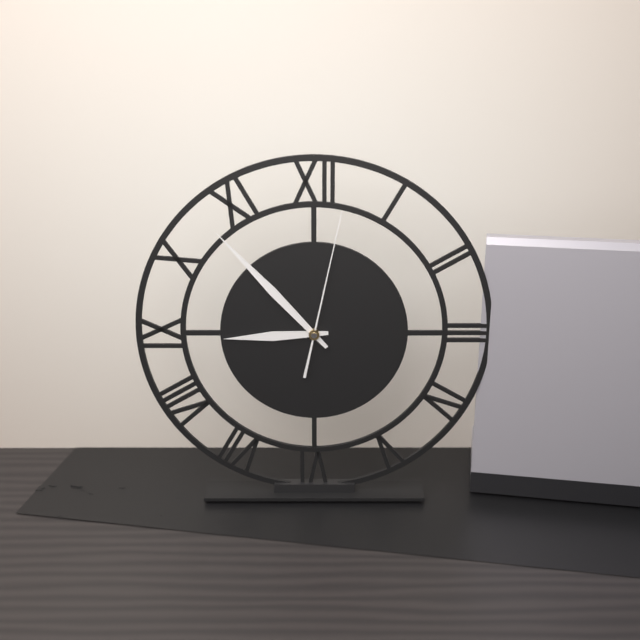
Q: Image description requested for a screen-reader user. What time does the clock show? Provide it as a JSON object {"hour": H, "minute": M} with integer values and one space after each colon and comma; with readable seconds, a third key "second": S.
{"hour": 8, "minute": 53, "second": 2}
